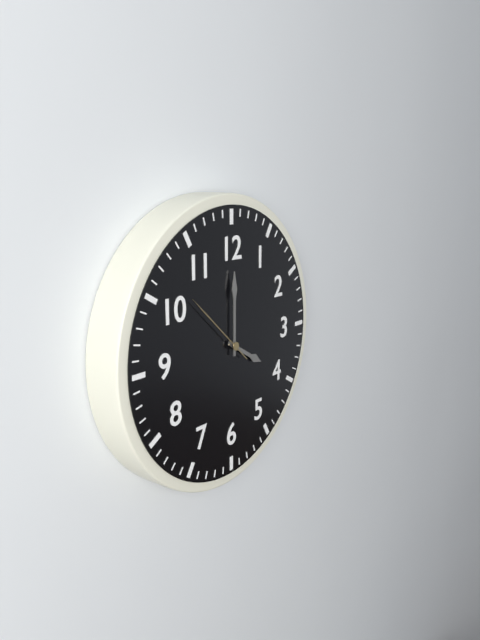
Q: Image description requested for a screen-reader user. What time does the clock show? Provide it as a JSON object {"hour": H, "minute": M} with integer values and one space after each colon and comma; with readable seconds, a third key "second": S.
{"hour": 4, "minute": 0, "second": 52}
